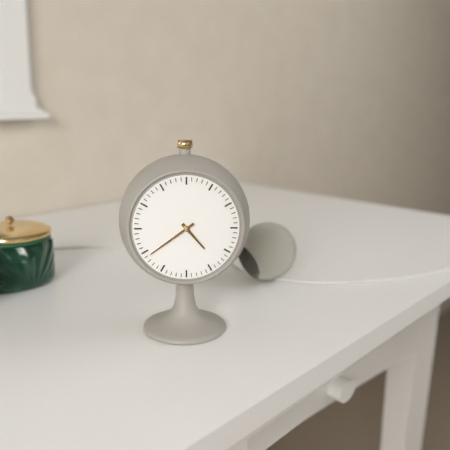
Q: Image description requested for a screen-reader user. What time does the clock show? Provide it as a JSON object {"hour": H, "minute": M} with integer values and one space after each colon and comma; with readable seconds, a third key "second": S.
{"hour": 4, "minute": 39}
